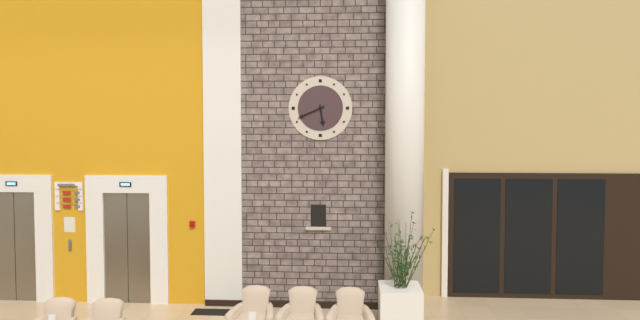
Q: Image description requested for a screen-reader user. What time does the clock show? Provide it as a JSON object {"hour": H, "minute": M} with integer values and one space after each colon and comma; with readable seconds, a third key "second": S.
{"hour": 5, "minute": 41}
